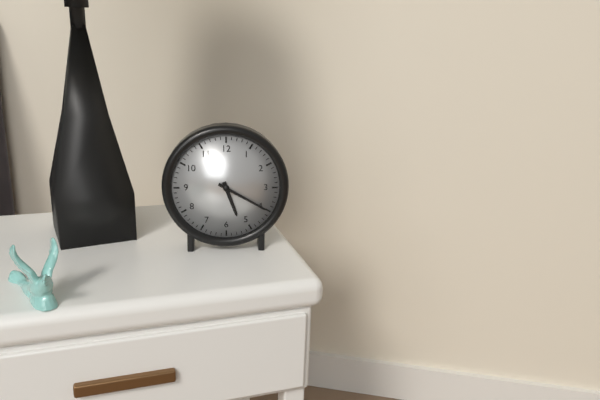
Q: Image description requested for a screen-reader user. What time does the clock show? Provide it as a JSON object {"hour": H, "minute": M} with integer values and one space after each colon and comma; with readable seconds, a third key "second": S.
{"hour": 5, "minute": 20}
